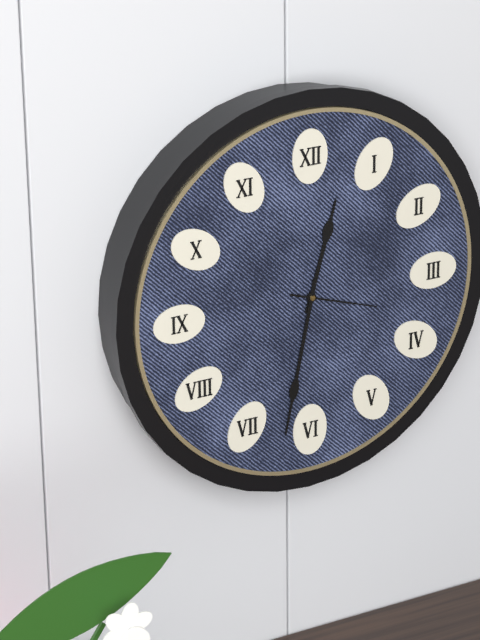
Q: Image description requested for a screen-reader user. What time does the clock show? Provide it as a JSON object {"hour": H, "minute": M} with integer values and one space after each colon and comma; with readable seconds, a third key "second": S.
{"hour": 12, "minute": 32, "second": 18}
